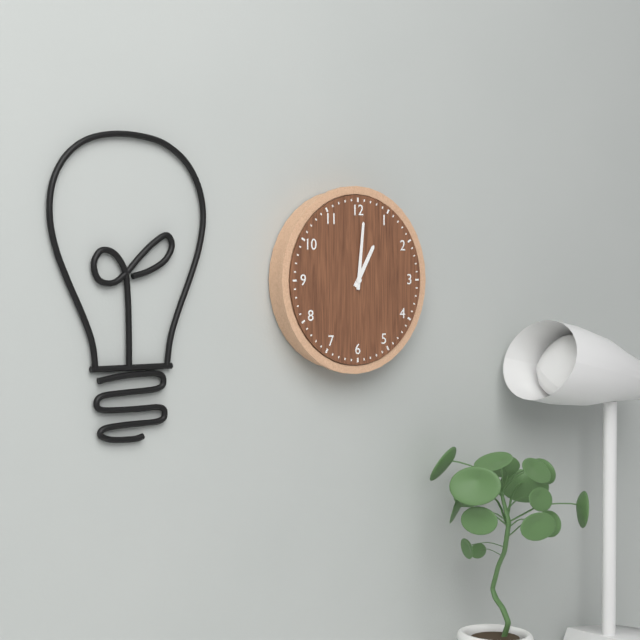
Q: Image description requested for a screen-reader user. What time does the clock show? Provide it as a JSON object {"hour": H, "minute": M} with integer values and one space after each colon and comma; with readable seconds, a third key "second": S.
{"hour": 1, "minute": 1}
